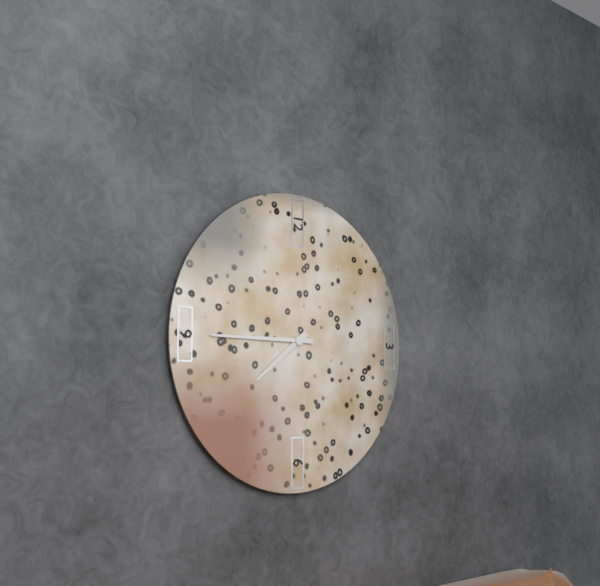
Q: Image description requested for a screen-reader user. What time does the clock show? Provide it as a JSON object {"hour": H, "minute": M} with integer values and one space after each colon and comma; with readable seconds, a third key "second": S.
{"hour": 7, "minute": 45}
